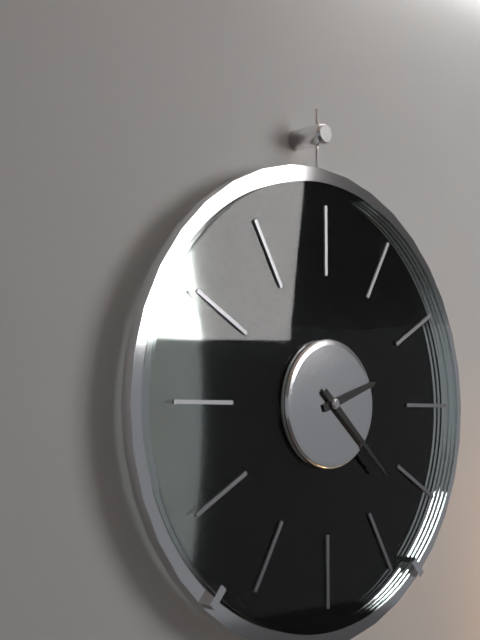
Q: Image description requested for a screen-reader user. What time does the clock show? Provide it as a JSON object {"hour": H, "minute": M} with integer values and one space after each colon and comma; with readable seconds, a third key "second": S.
{"hour": 2, "minute": 22}
